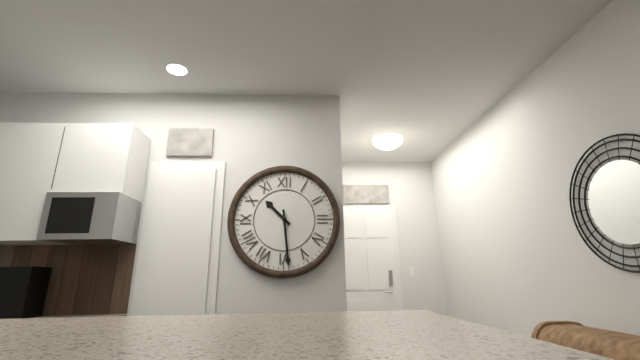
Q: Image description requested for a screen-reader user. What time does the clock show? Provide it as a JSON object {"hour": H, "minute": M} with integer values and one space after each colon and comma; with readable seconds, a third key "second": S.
{"hour": 10, "minute": 29}
